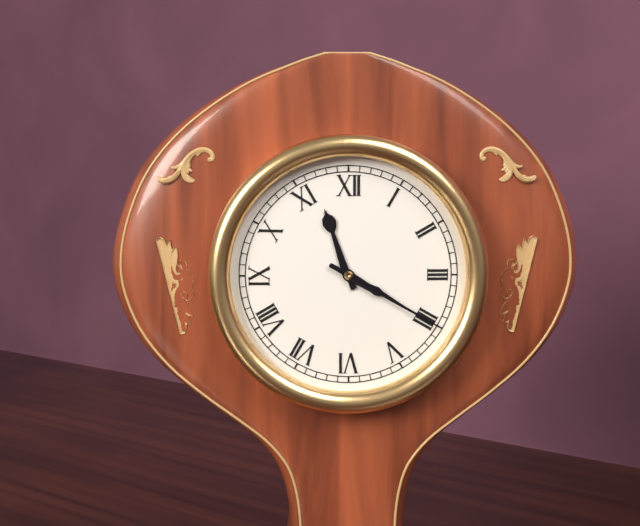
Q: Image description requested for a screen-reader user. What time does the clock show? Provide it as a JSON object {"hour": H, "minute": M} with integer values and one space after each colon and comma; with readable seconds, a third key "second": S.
{"hour": 11, "minute": 20}
